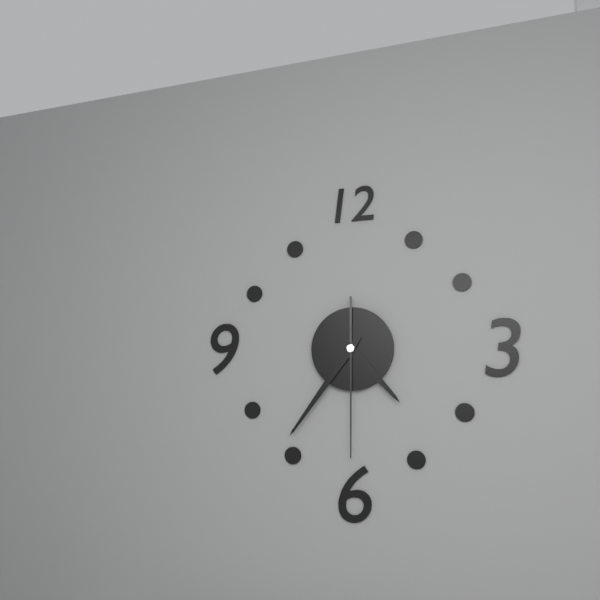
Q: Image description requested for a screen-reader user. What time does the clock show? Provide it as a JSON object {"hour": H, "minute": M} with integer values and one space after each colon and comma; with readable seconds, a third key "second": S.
{"hour": 4, "minute": 36, "second": 30}
